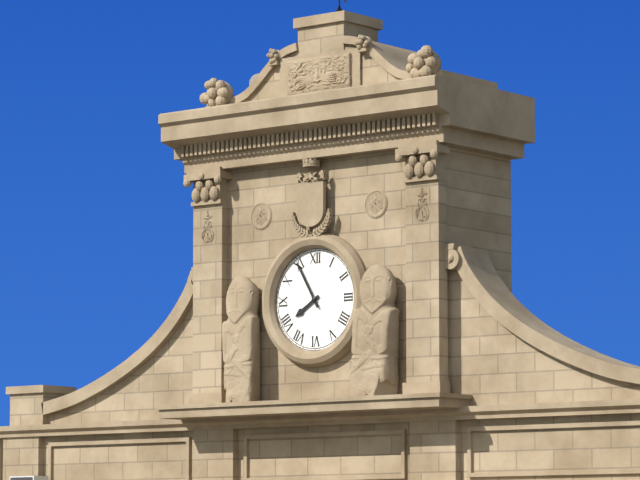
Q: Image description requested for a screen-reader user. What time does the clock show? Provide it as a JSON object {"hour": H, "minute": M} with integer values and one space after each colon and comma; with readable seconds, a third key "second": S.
{"hour": 7, "minute": 55}
